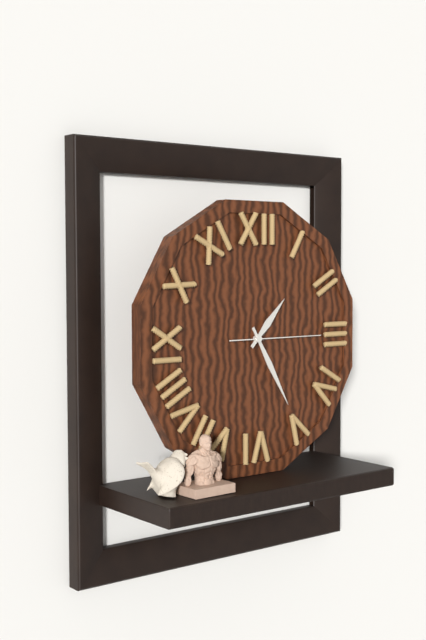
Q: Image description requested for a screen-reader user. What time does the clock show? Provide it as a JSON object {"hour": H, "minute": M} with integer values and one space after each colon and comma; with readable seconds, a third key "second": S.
{"hour": 1, "minute": 25, "second": 15}
